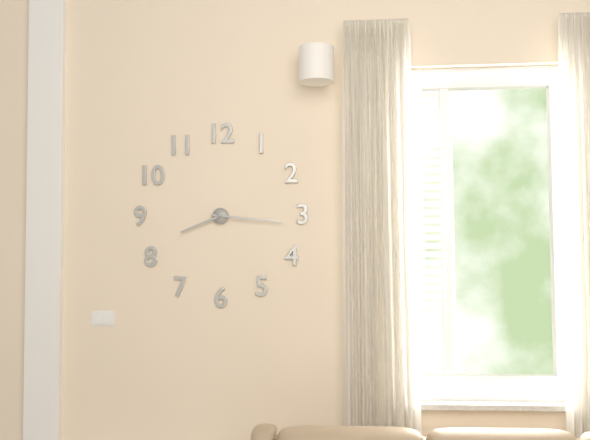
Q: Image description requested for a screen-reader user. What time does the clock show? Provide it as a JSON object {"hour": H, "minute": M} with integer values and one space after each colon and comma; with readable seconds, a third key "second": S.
{"hour": 8, "minute": 16}
